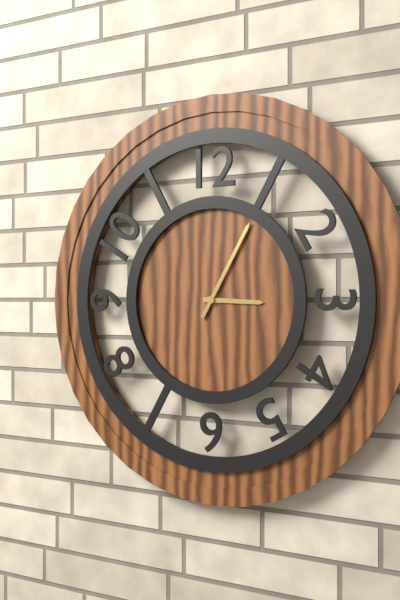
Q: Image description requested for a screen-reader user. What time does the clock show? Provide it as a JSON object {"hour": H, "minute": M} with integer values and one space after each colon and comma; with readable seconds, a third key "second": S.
{"hour": 3, "minute": 5}
